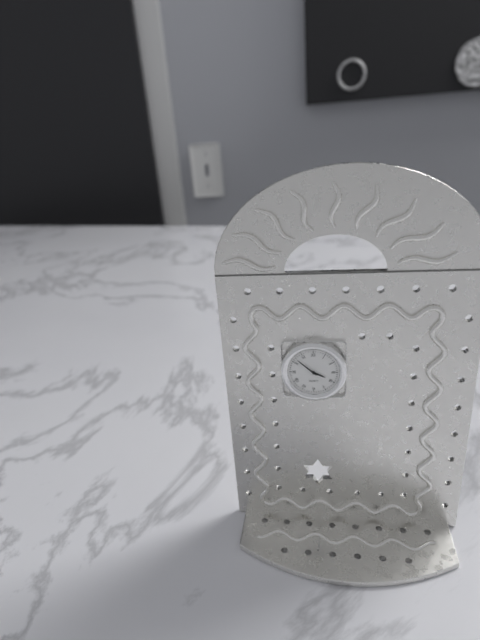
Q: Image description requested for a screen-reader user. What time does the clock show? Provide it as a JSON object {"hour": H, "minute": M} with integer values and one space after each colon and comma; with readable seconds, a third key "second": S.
{"hour": 3, "minute": 52}
